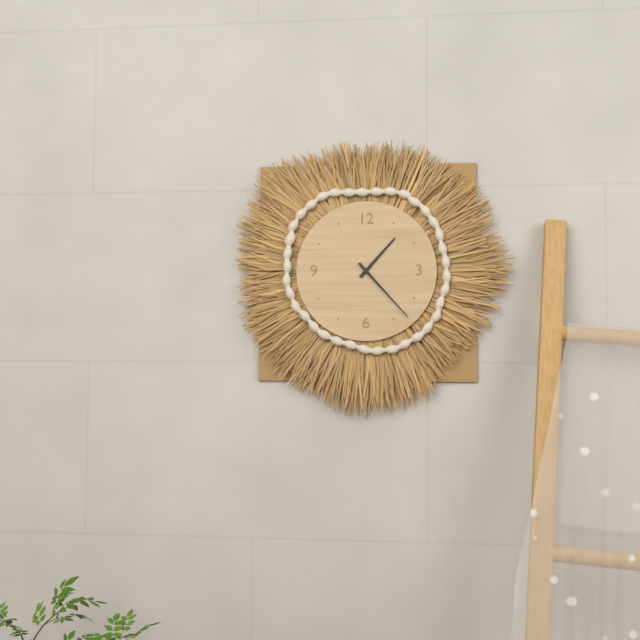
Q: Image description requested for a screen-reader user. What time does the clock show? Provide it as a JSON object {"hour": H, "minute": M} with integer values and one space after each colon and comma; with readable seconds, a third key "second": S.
{"hour": 1, "minute": 23}
